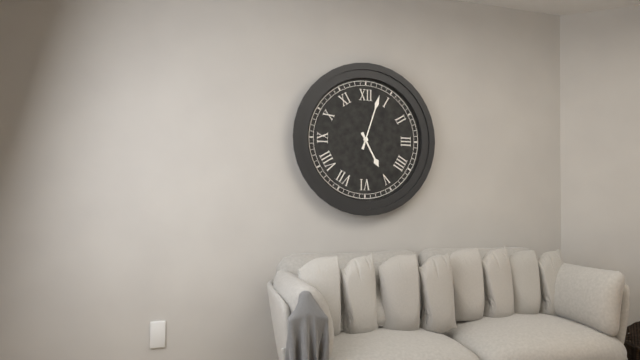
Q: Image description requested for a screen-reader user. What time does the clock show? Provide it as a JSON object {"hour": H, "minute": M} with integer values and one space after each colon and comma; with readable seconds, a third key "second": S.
{"hour": 5, "minute": 3}
